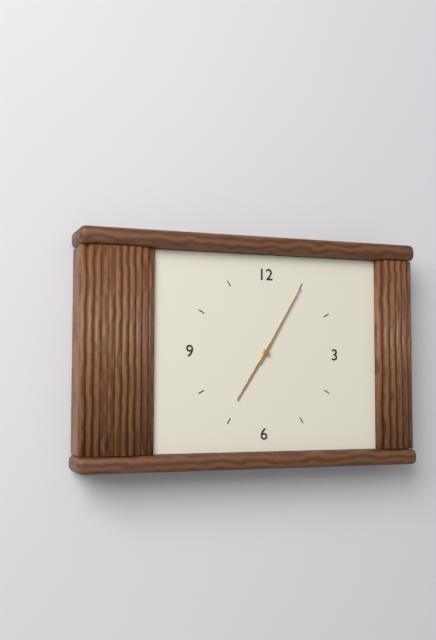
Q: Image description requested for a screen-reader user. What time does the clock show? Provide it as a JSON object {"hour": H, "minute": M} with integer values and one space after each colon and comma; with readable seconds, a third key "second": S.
{"hour": 7, "minute": 5}
